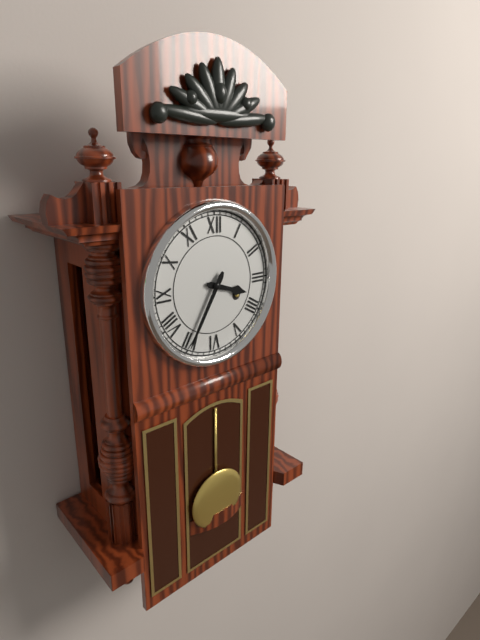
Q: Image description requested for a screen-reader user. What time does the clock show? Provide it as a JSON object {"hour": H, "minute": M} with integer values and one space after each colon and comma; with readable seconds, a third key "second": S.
{"hour": 3, "minute": 35}
